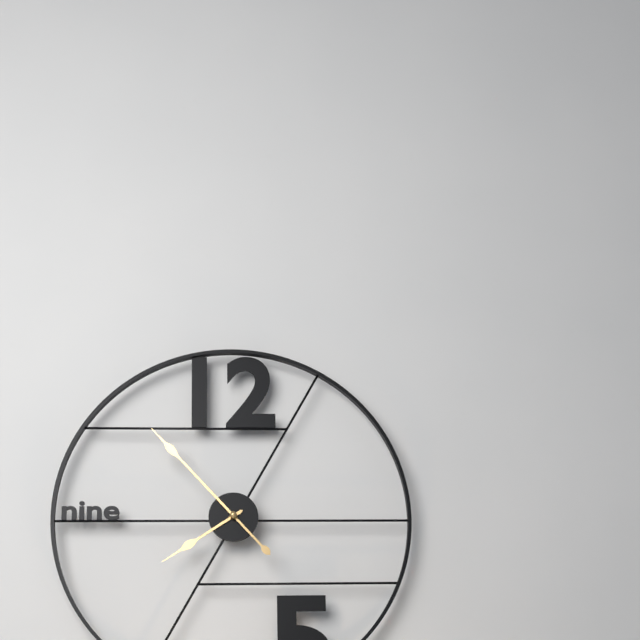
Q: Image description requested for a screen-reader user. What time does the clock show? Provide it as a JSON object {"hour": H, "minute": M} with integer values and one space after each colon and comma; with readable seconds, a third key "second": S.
{"hour": 7, "minute": 53}
